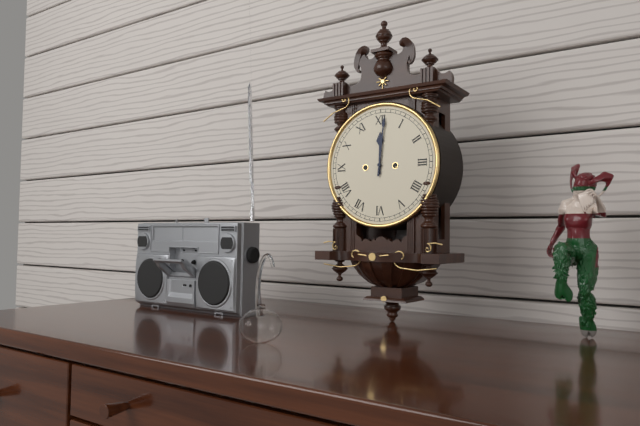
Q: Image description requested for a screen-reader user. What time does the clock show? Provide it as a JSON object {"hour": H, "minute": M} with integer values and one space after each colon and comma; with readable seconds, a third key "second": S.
{"hour": 12, "minute": 1}
